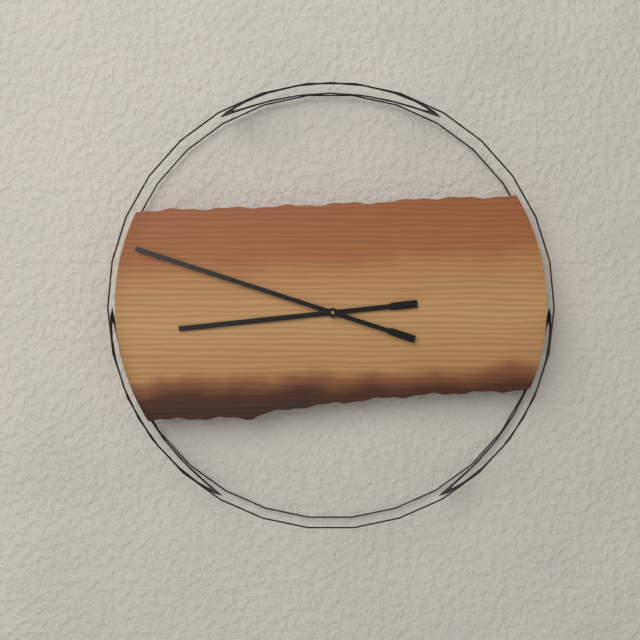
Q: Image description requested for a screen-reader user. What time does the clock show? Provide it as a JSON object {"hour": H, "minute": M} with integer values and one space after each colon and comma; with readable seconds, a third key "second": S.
{"hour": 8, "minute": 48}
